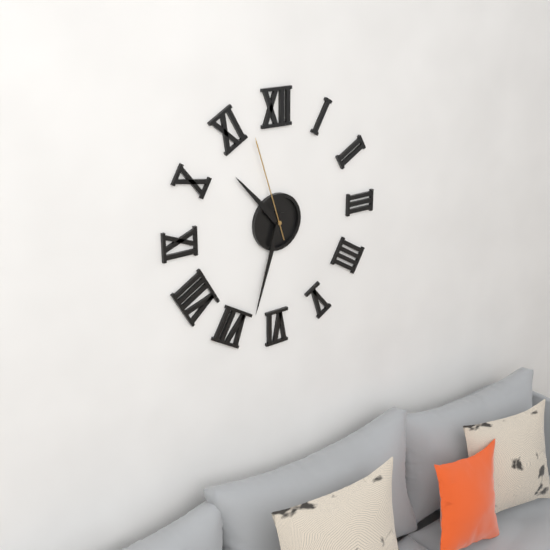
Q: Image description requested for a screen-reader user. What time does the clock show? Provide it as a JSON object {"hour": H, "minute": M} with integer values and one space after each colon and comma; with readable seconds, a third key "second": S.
{"hour": 10, "minute": 33, "second": 57}
